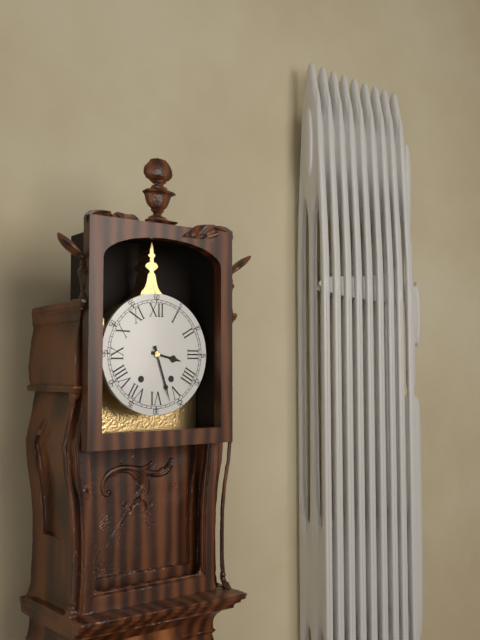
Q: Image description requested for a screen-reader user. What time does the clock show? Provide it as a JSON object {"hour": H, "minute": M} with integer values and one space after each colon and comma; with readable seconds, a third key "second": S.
{"hour": 3, "minute": 27}
